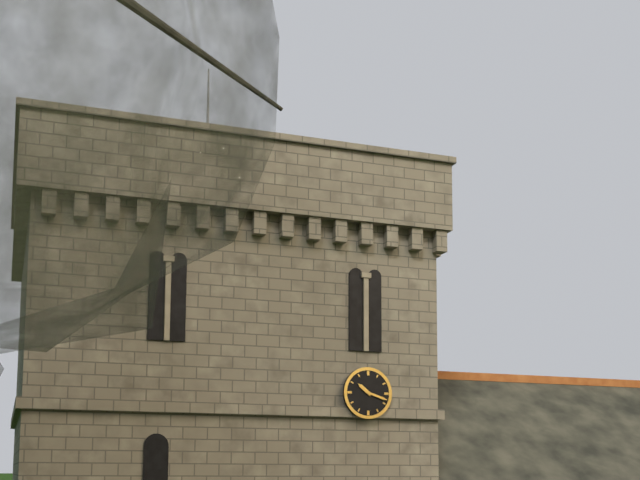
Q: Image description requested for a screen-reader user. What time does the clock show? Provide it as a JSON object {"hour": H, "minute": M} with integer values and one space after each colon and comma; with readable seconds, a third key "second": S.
{"hour": 10, "minute": 18}
